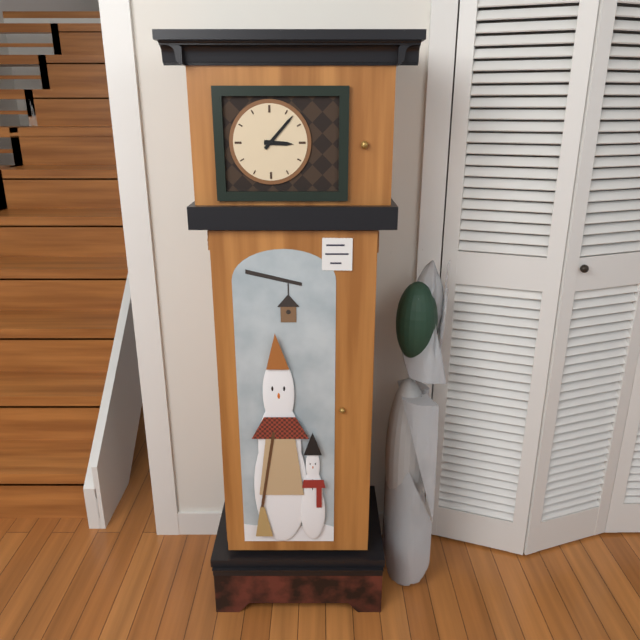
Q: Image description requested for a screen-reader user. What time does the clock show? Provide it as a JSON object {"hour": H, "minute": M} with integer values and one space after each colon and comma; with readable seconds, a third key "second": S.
{"hour": 3, "minute": 7}
